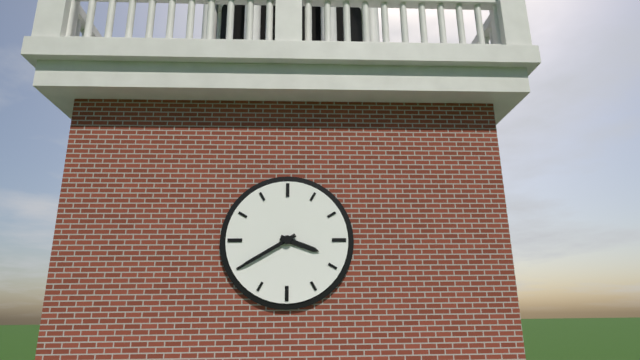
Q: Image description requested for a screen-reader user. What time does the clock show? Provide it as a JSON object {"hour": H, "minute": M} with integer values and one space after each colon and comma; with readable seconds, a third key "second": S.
{"hour": 3, "minute": 40}
